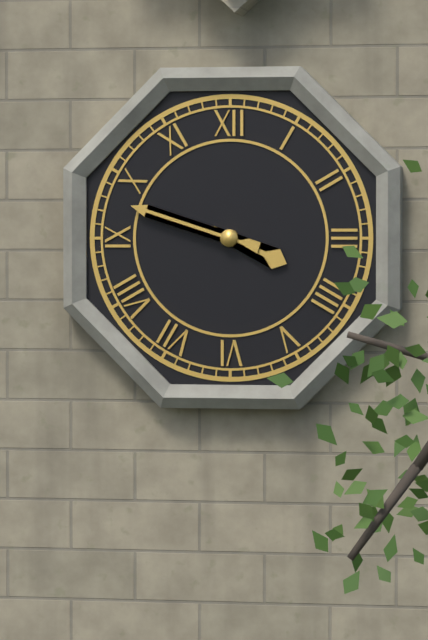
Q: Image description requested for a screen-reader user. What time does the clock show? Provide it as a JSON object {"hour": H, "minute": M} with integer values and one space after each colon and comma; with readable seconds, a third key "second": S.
{"hour": 3, "minute": 48}
